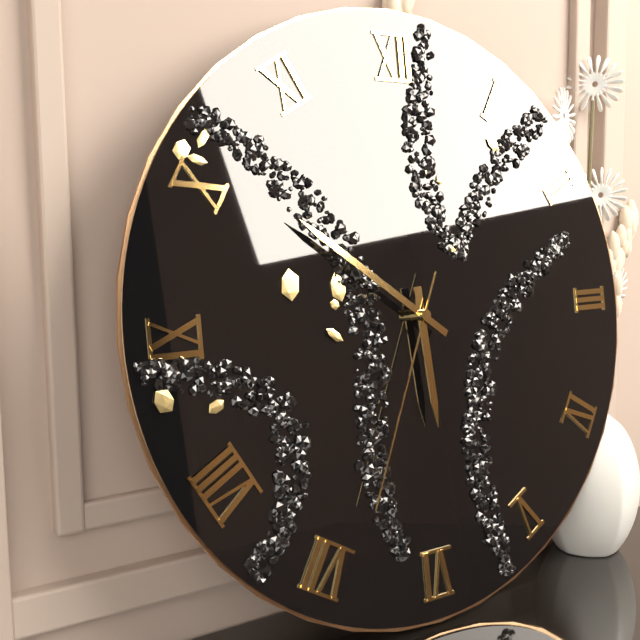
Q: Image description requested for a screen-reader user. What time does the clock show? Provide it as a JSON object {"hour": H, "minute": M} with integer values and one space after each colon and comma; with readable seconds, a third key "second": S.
{"hour": 5, "minute": 51, "second": 34}
